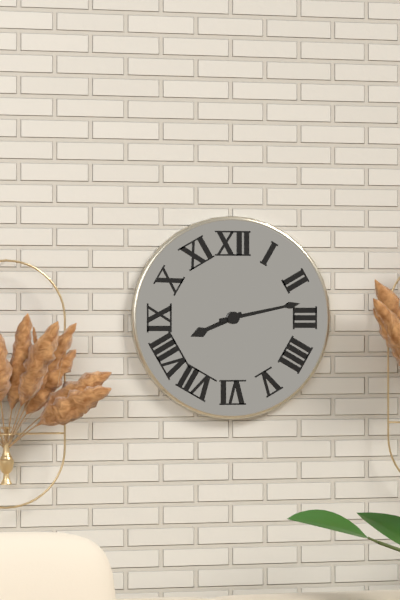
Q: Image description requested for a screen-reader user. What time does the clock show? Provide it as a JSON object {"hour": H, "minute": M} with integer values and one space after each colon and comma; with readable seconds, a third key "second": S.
{"hour": 8, "minute": 13}
